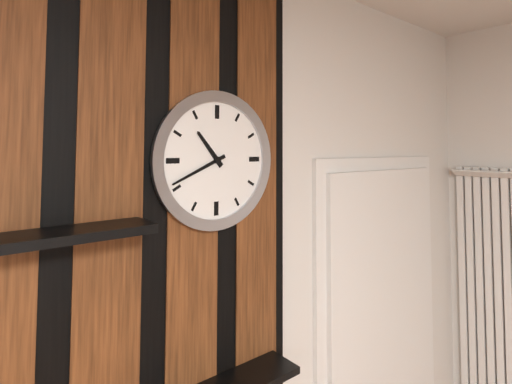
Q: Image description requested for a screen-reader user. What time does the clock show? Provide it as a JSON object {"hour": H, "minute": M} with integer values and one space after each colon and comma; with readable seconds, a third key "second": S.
{"hour": 10, "minute": 41}
